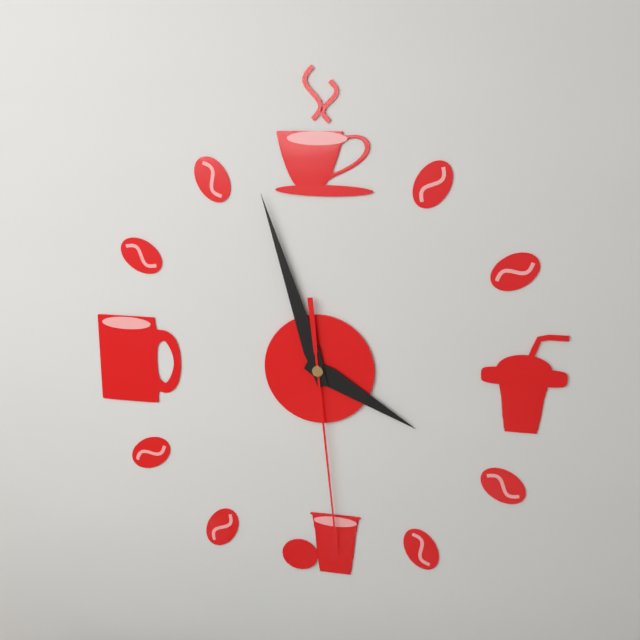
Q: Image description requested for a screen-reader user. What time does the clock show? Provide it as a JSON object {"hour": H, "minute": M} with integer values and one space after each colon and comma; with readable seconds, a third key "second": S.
{"hour": 3, "minute": 57, "second": 29}
